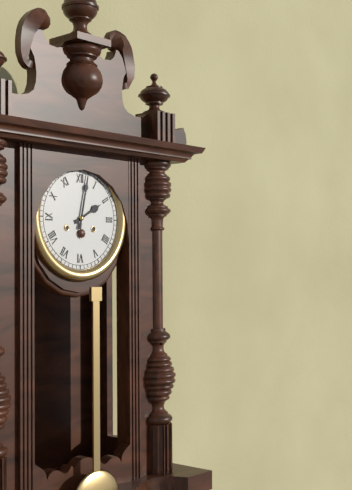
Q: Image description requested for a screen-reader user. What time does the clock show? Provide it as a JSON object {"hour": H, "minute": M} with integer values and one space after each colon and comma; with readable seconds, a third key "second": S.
{"hour": 2, "minute": 2}
